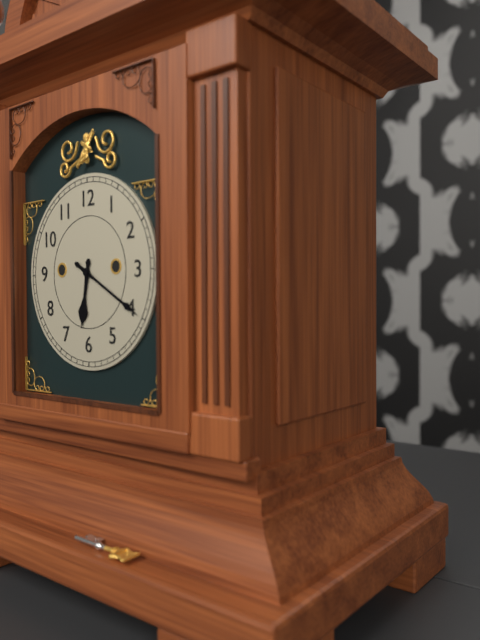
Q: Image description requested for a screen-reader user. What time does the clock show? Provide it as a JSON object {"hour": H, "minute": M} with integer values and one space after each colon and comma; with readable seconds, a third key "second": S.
{"hour": 6, "minute": 20}
